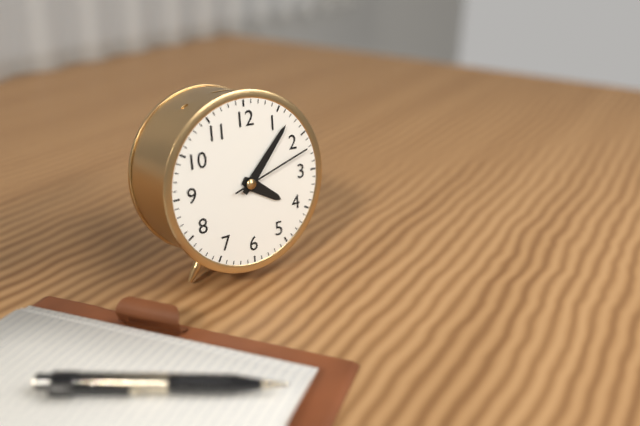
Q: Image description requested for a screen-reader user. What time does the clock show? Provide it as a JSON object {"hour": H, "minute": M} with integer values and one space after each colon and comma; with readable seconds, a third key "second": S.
{"hour": 4, "minute": 7, "second": 12}
